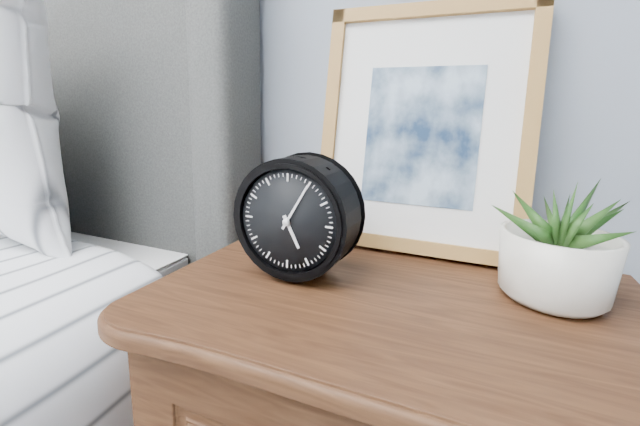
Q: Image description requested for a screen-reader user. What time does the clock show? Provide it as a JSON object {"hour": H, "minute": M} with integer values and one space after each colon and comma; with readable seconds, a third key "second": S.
{"hour": 5, "minute": 5}
